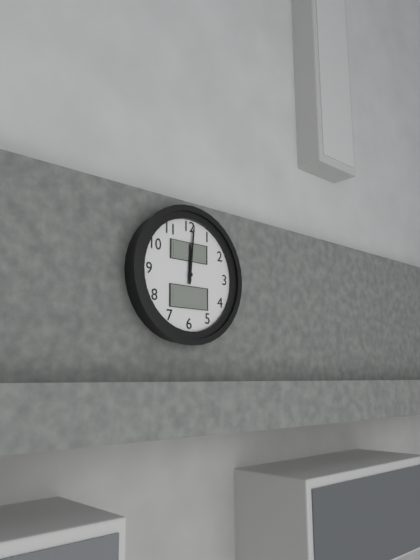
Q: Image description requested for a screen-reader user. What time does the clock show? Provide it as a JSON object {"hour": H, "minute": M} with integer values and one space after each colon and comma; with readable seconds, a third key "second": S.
{"hour": 12, "minute": 1}
